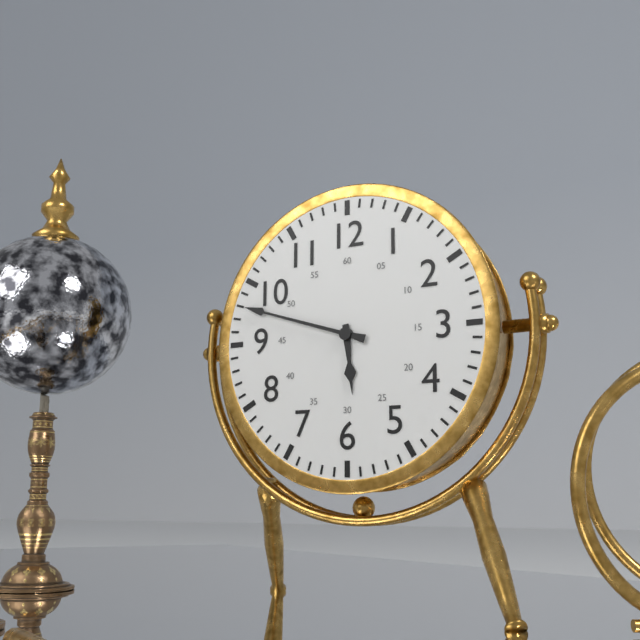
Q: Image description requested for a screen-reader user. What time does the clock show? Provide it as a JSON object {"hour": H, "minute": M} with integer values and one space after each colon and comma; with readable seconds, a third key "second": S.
{"hour": 5, "minute": 48}
